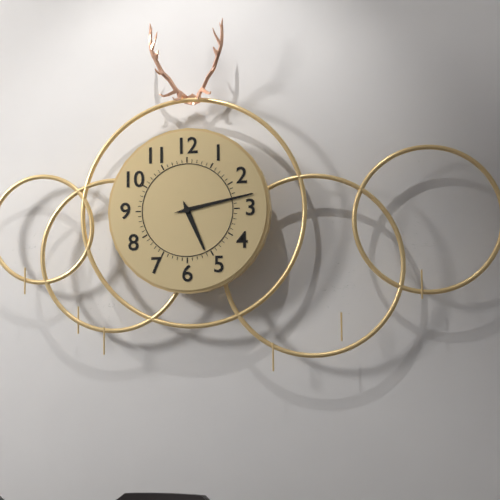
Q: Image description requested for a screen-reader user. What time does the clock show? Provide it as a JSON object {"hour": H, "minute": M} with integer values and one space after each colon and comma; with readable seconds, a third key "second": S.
{"hour": 5, "minute": 13}
